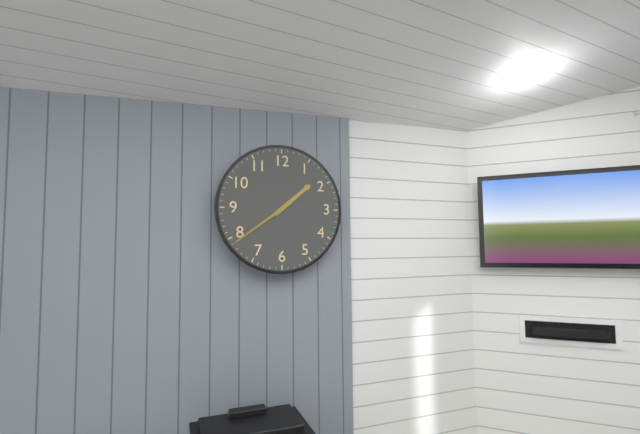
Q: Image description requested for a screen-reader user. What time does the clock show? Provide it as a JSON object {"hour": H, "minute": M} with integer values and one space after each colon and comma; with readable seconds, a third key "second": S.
{"hour": 1, "minute": 39}
